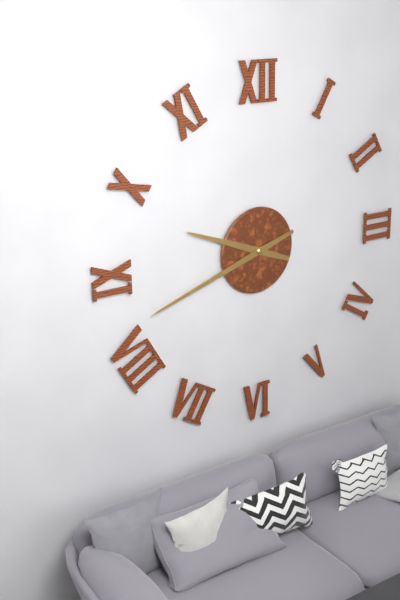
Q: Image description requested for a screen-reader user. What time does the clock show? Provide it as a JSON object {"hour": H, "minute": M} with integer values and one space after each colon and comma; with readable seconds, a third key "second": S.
{"hour": 9, "minute": 42}
